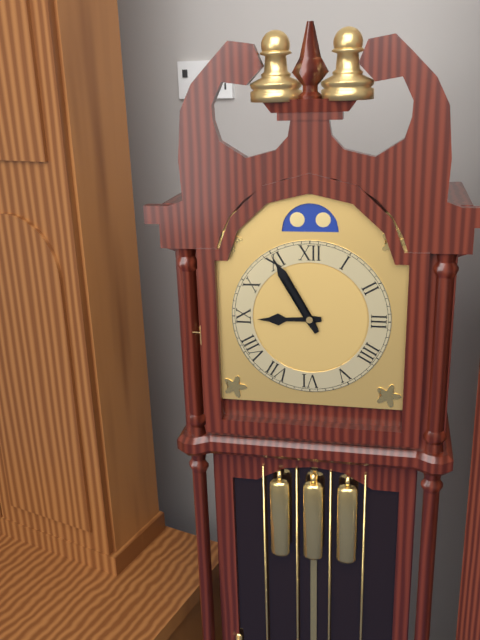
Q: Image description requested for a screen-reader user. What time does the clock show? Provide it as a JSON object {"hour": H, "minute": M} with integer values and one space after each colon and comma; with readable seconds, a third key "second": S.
{"hour": 8, "minute": 55}
